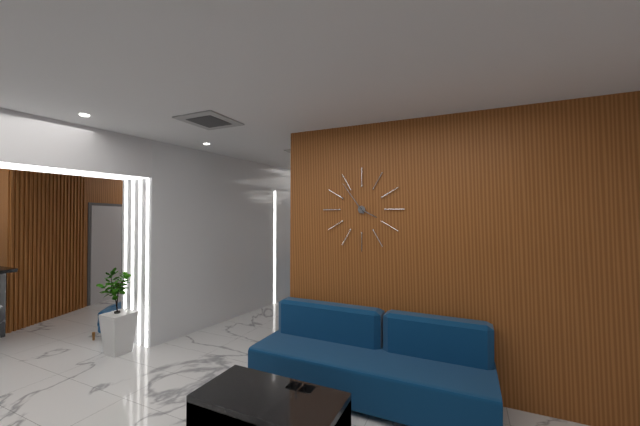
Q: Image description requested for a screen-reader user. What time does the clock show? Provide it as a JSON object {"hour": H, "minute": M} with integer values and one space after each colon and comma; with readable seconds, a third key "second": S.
{"hour": 3, "minute": 54}
